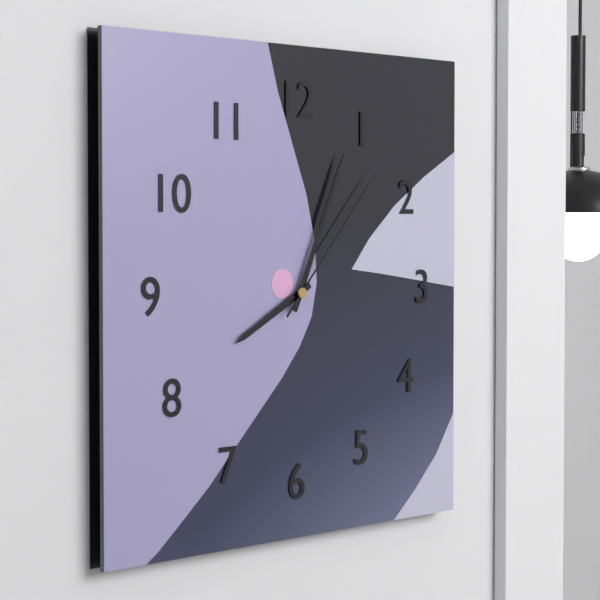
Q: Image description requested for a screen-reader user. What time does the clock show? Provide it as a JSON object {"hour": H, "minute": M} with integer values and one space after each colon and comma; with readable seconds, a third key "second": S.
{"hour": 8, "minute": 4, "second": 7}
